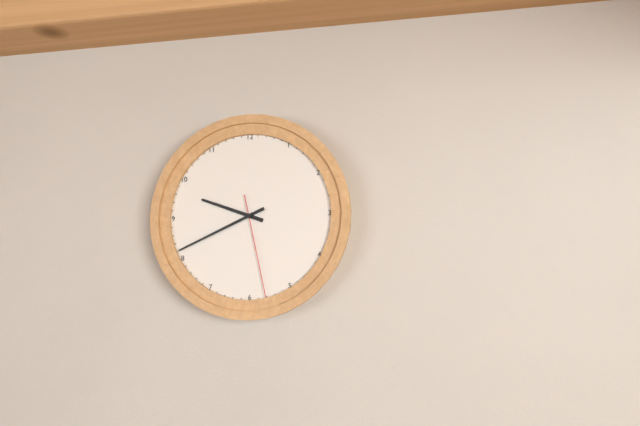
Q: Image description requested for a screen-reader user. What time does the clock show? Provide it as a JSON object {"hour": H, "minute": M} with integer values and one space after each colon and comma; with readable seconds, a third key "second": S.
{"hour": 9, "minute": 41, "second": 28}
